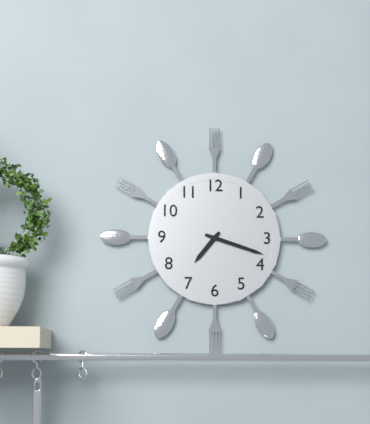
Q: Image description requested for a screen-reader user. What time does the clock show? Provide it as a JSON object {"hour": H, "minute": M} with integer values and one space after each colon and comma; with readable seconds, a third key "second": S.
{"hour": 7, "minute": 18}
